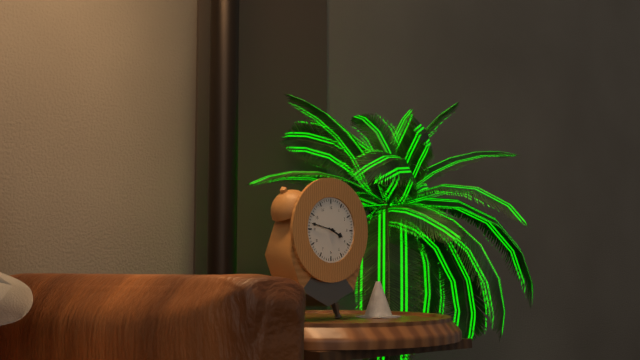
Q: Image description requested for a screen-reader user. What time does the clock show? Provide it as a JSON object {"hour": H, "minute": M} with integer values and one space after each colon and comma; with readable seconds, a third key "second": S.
{"hour": 3, "minute": 47}
